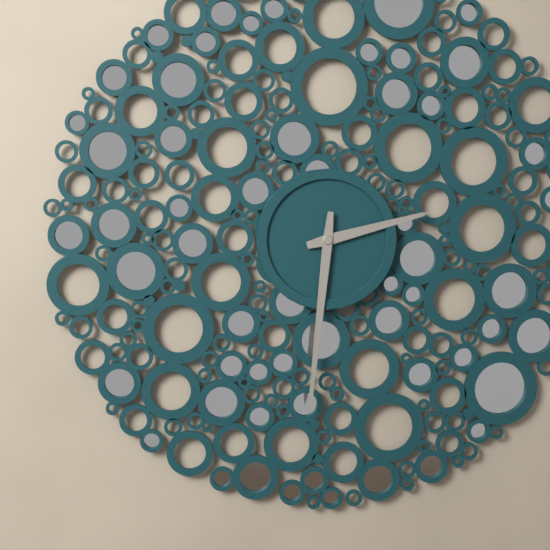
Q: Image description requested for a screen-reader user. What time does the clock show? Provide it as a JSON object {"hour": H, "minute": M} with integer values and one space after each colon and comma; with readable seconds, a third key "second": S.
{"hour": 2, "minute": 31}
